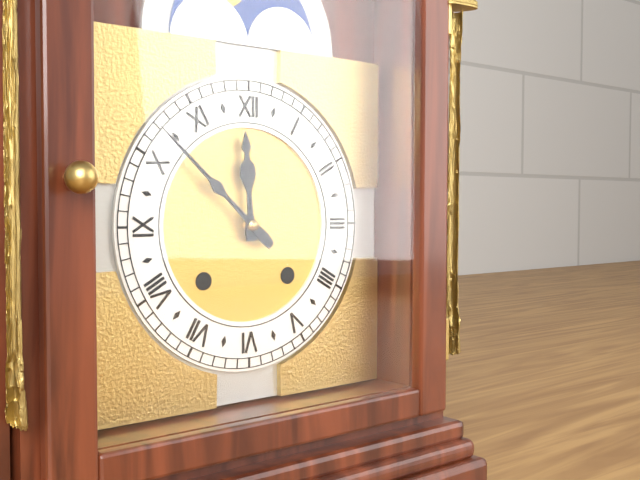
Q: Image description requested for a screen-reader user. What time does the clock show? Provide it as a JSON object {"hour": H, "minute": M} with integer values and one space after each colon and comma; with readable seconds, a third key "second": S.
{"hour": 11, "minute": 52}
